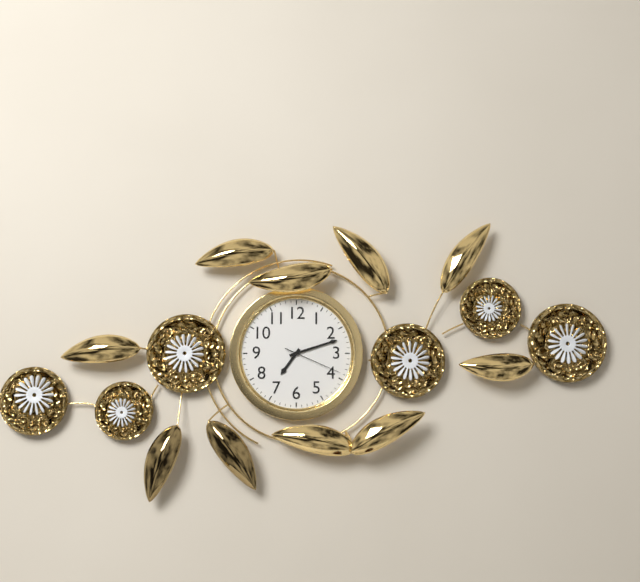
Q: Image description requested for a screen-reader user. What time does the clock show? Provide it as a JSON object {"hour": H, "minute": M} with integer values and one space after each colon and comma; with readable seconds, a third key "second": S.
{"hour": 7, "minute": 12, "second": 19}
